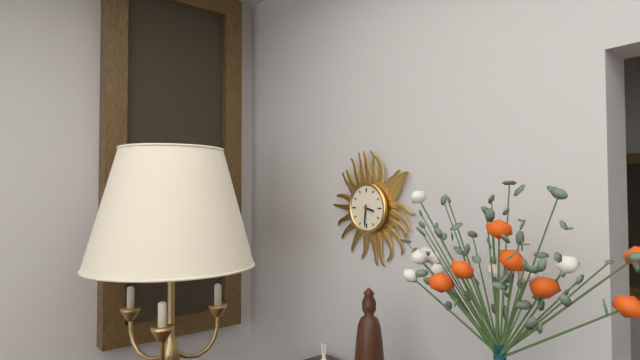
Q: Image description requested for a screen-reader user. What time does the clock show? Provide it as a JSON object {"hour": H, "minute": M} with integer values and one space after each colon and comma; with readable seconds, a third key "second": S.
{"hour": 3, "minute": 31}
